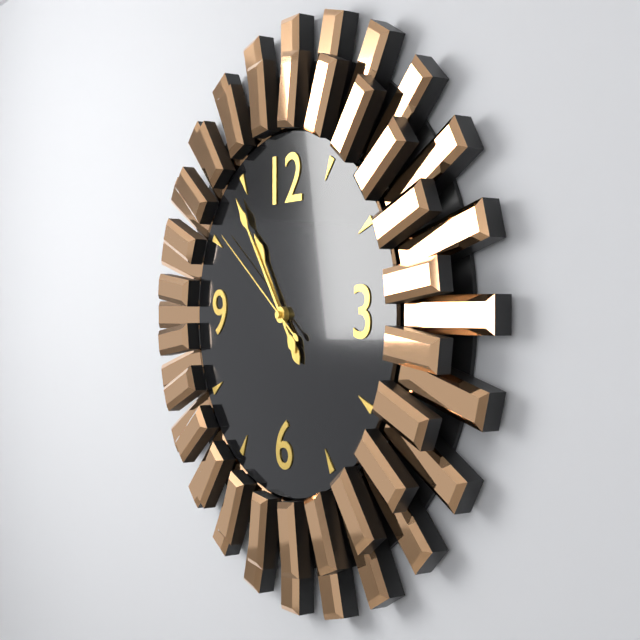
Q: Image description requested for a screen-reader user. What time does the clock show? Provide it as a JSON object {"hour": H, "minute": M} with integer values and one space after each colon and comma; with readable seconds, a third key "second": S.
{"hour": 10, "minute": 54, "second": 51}
